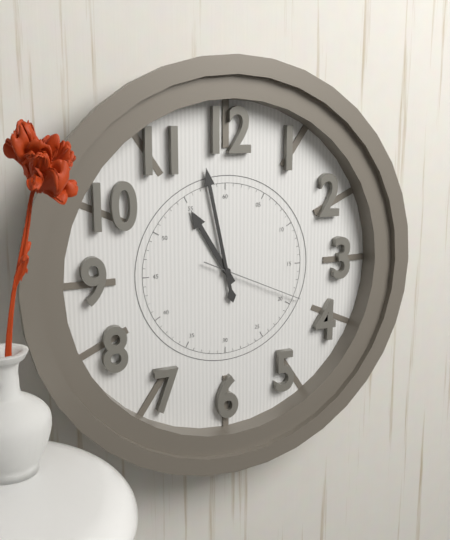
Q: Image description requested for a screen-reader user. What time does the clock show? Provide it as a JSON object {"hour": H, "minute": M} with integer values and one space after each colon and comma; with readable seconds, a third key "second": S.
{"hour": 10, "minute": 58, "second": 19}
